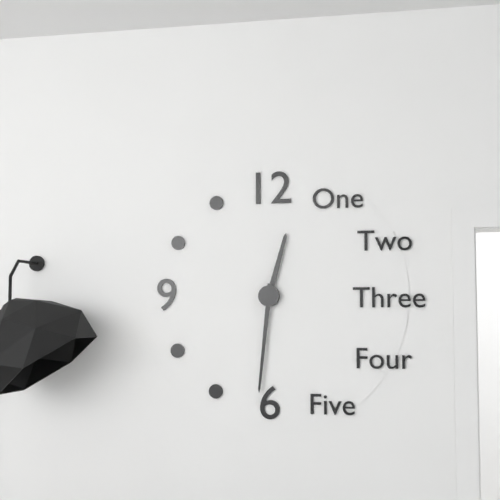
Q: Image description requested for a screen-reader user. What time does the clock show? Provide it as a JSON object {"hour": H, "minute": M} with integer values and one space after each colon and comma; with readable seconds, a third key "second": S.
{"hour": 12, "minute": 31}
